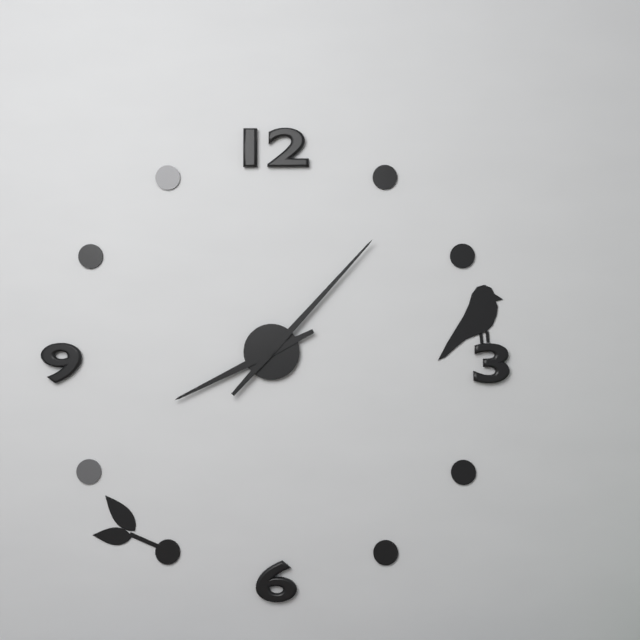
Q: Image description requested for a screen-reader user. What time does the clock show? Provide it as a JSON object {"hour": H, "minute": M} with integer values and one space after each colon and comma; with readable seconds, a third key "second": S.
{"hour": 8, "minute": 7}
